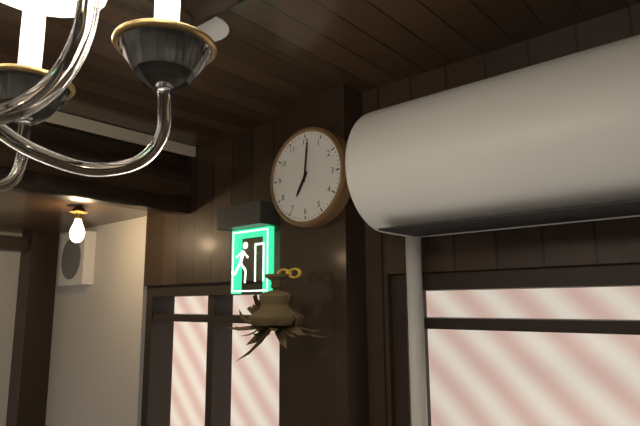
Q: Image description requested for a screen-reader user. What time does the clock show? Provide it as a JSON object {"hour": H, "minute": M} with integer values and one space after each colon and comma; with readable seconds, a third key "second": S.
{"hour": 7, "minute": 1}
